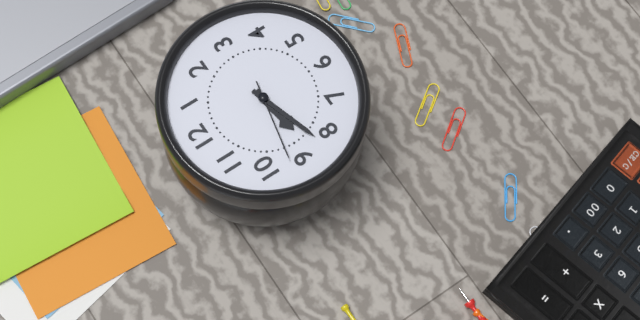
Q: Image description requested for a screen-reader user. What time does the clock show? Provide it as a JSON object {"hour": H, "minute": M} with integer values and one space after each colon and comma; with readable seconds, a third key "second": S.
{"hour": 8, "minute": 42, "second": 47}
